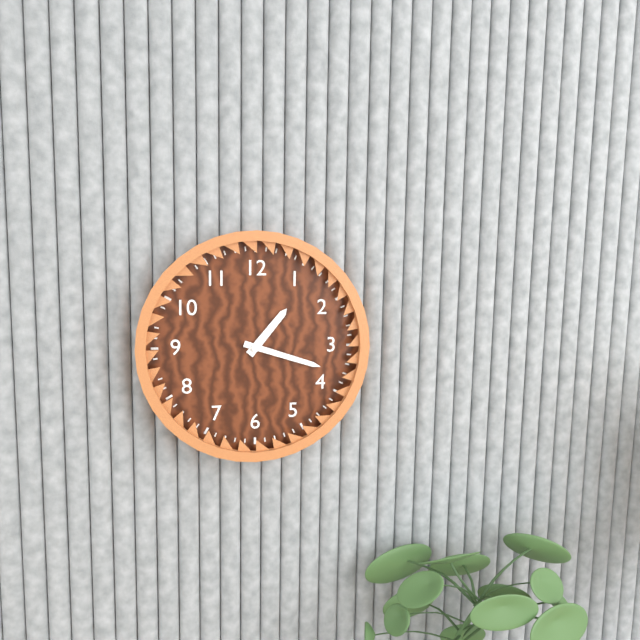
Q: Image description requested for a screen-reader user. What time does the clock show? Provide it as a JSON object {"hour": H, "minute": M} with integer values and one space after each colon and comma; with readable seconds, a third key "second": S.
{"hour": 1, "minute": 18}
